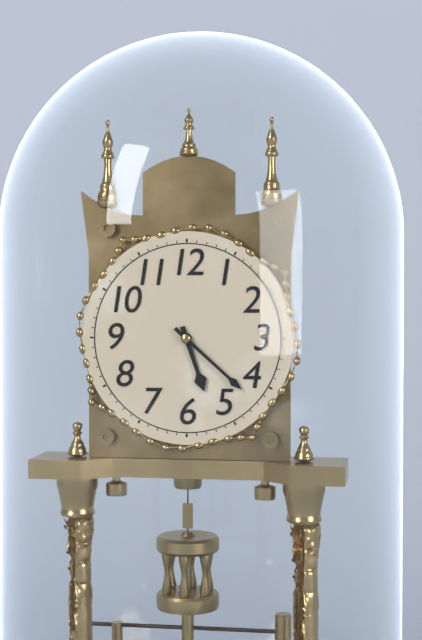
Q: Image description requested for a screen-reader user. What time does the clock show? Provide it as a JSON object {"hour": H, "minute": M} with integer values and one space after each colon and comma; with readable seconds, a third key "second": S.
{"hour": 5, "minute": 22}
